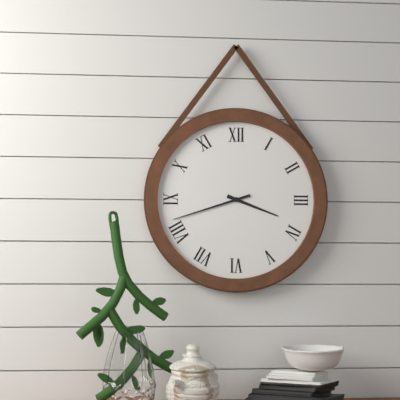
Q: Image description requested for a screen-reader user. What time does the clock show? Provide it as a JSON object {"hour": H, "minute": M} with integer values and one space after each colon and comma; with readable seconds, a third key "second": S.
{"hour": 3, "minute": 42}
